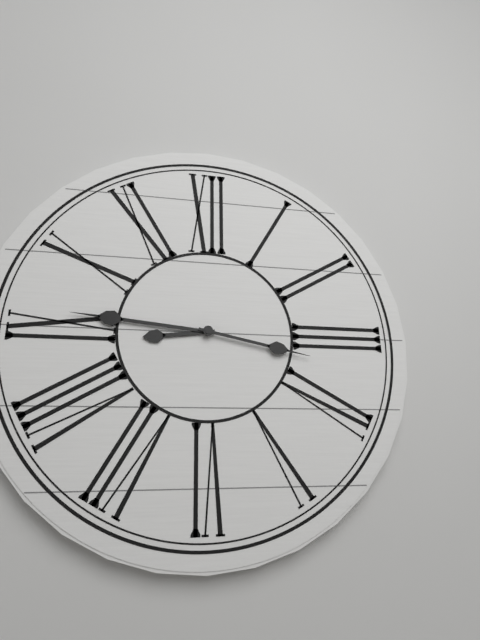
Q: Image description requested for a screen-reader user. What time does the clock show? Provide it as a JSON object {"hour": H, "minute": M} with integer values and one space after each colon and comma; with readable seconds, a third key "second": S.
{"hour": 8, "minute": 46, "second": 17}
